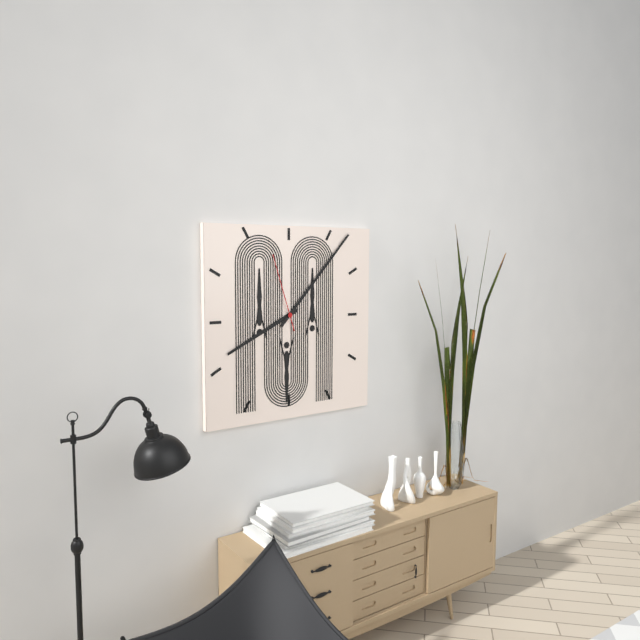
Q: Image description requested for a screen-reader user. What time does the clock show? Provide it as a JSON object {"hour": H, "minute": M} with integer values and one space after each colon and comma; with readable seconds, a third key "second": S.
{"hour": 8, "minute": 7, "second": 57}
